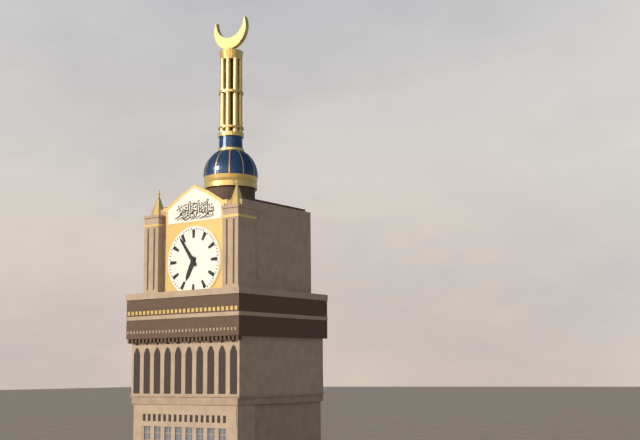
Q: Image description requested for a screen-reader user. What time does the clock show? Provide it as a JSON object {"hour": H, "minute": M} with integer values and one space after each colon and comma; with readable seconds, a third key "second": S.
{"hour": 6, "minute": 54}
